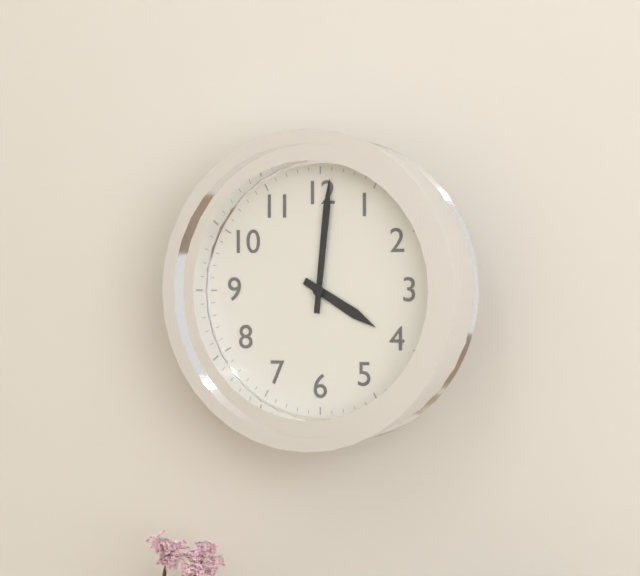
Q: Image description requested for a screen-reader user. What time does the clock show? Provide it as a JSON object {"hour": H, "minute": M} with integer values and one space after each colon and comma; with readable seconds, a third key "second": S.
{"hour": 4, "minute": 1}
